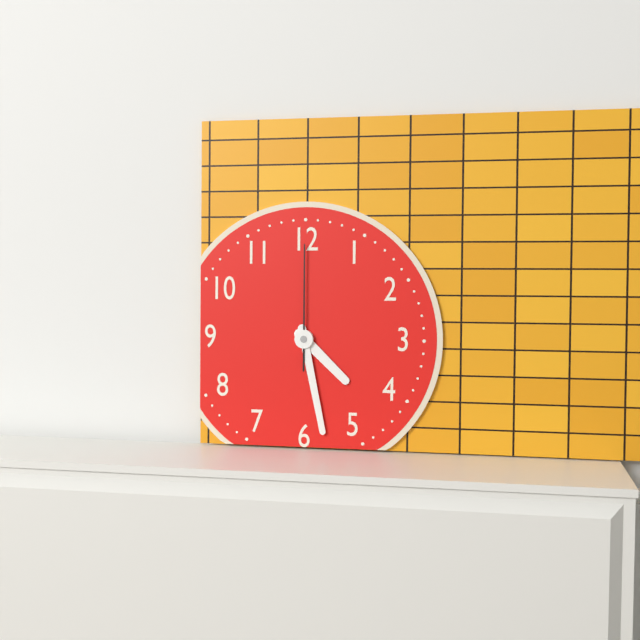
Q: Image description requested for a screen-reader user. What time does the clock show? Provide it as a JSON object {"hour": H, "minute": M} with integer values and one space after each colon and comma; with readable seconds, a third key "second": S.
{"hour": 4, "minute": 28, "second": 0}
